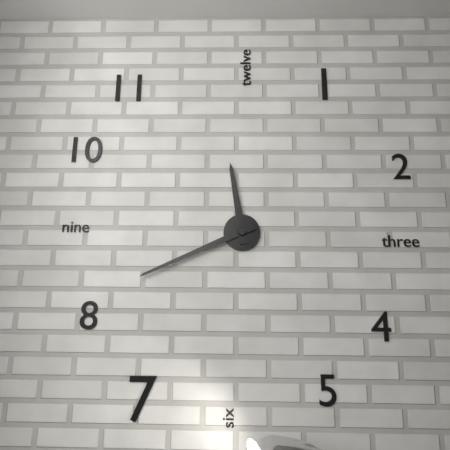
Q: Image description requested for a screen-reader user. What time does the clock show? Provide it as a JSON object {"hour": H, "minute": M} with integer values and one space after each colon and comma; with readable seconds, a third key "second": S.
{"hour": 11, "minute": 41}
